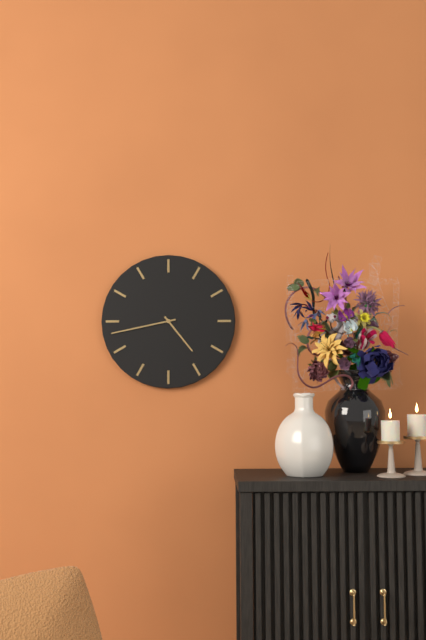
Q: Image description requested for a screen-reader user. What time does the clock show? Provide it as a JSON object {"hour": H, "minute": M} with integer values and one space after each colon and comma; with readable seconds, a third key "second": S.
{"hour": 4, "minute": 43}
